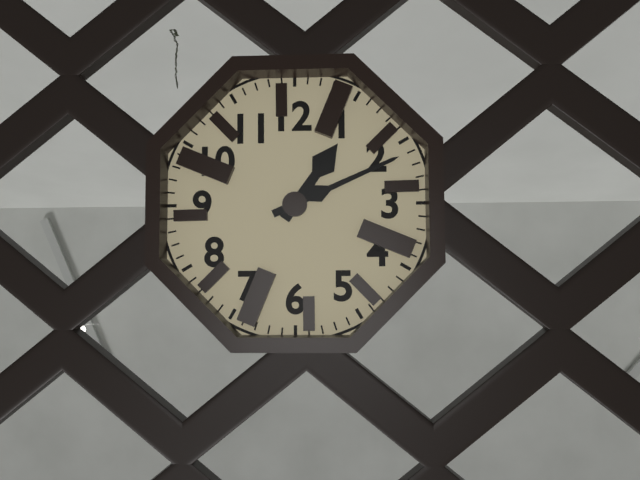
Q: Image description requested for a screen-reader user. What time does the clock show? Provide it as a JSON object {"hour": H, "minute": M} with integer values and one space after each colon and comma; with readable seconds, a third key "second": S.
{"hour": 1, "minute": 11}
